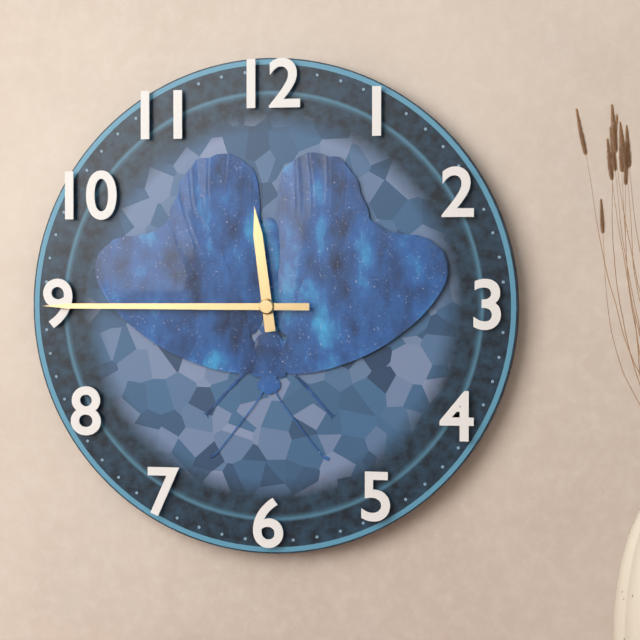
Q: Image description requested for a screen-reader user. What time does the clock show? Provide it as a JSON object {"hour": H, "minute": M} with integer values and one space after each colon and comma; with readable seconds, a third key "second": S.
{"hour": 11, "minute": 45}
